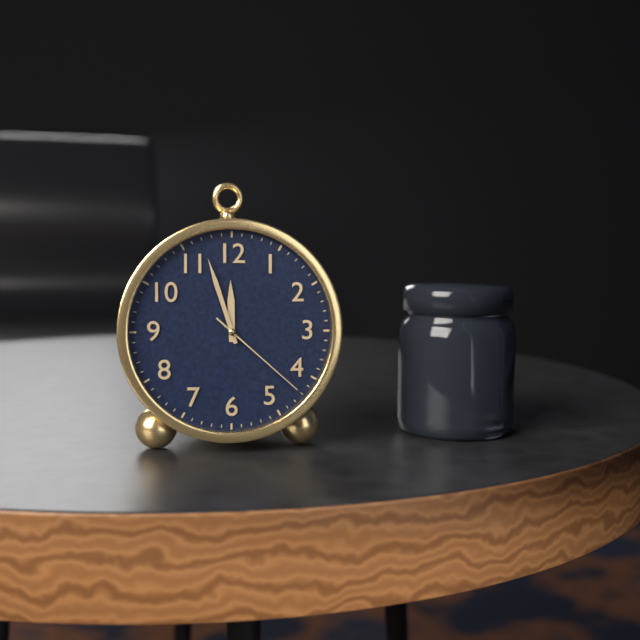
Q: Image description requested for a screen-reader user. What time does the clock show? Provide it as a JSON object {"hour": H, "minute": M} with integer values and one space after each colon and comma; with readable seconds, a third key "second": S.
{"hour": 11, "minute": 57, "second": 22}
